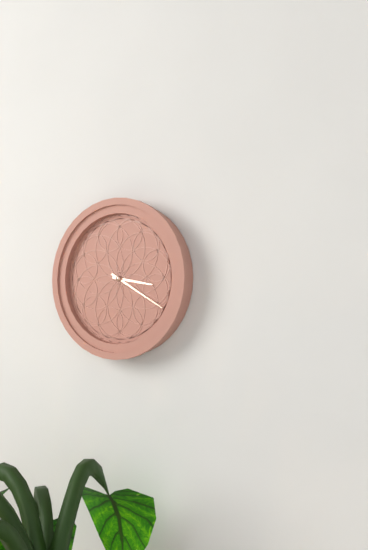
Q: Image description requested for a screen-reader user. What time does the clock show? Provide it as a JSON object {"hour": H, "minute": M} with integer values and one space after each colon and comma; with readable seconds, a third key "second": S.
{"hour": 3, "minute": 20}
